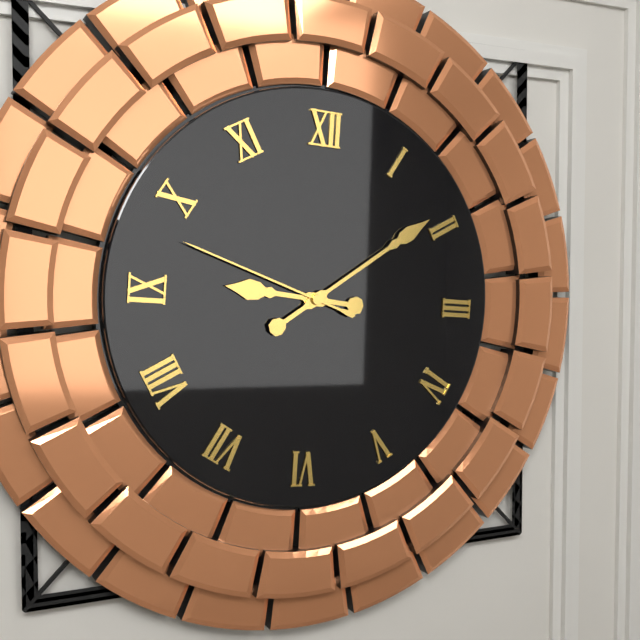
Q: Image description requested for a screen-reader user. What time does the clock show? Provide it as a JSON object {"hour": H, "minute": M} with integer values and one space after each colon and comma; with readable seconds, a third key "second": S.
{"hour": 9, "minute": 9, "second": 48}
